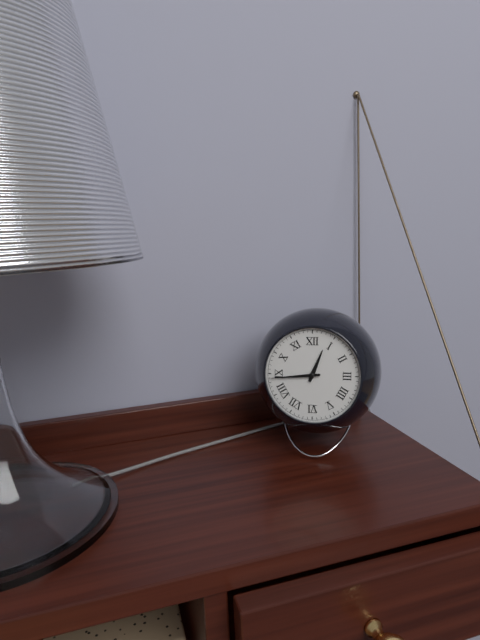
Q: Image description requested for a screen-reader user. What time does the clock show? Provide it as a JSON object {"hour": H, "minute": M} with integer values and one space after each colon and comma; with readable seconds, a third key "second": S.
{"hour": 12, "minute": 44}
